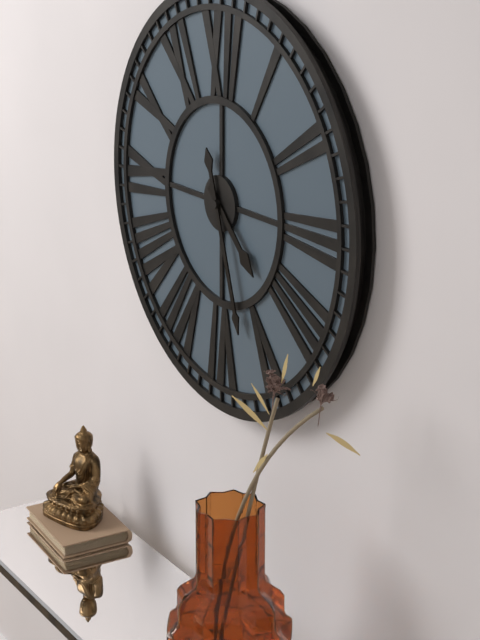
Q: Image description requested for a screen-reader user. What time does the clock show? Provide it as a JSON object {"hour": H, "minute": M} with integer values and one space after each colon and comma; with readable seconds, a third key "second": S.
{"hour": 4, "minute": 27}
